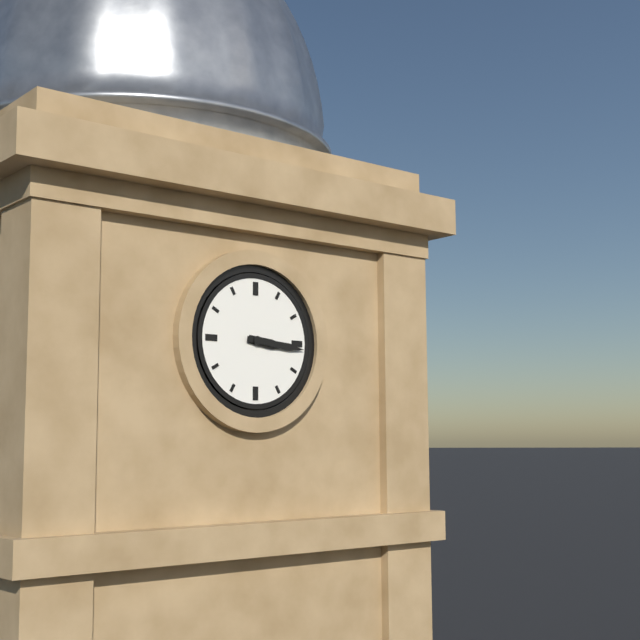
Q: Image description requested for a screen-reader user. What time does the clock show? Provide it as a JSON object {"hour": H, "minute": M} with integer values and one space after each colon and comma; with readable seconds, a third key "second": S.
{"hour": 3, "minute": 16}
